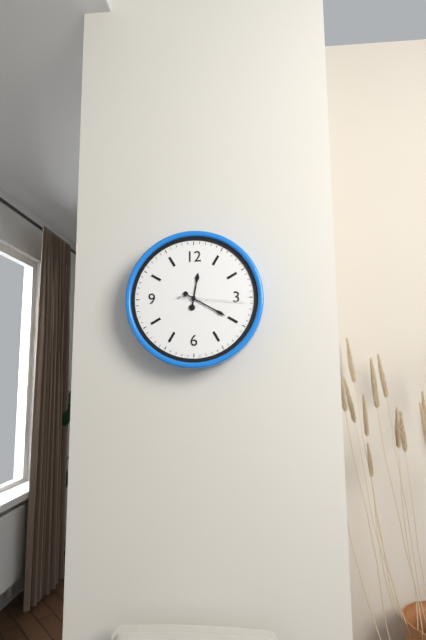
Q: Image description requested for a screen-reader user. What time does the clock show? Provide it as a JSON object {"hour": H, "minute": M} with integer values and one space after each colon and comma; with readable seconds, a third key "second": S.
{"hour": 12, "minute": 20, "second": 16}
